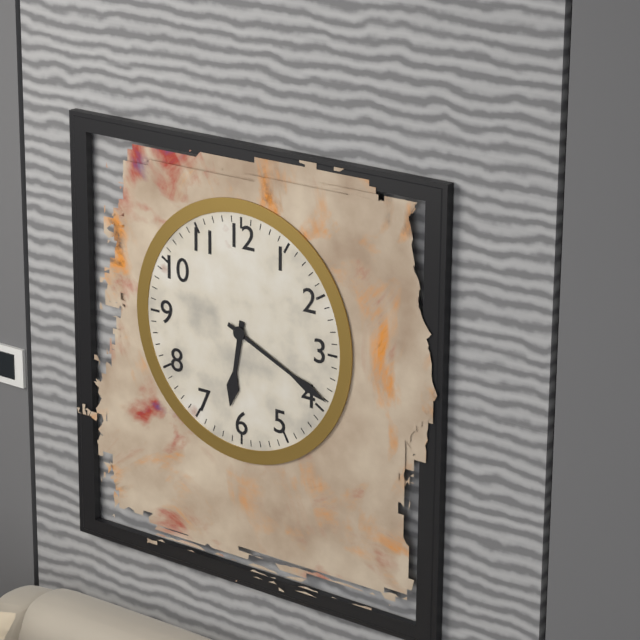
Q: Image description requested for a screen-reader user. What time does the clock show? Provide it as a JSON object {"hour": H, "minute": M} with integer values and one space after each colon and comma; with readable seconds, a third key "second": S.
{"hour": 6, "minute": 19}
